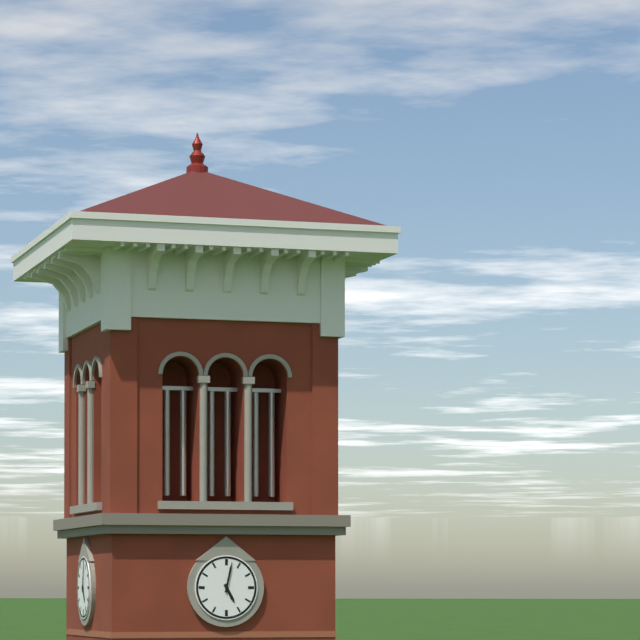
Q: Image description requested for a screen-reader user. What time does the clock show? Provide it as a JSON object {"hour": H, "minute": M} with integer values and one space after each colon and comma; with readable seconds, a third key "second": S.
{"hour": 5, "minute": 2}
